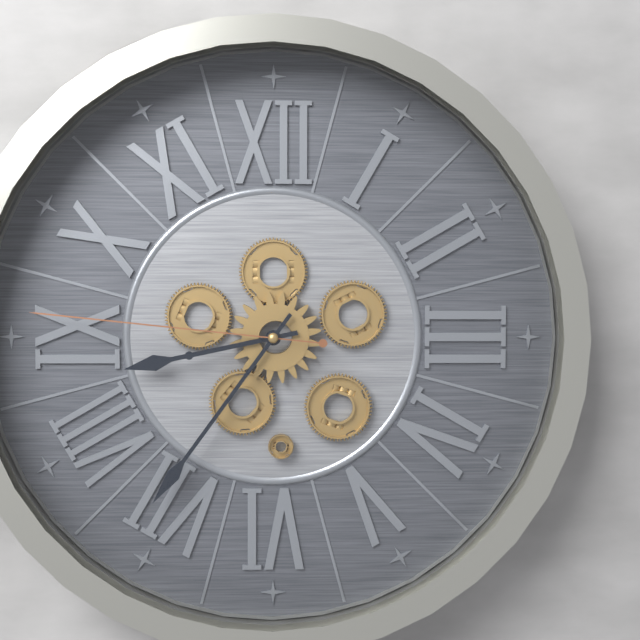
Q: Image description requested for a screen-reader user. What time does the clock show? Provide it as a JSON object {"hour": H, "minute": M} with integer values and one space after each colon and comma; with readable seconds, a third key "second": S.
{"hour": 8, "minute": 36, "second": 46}
